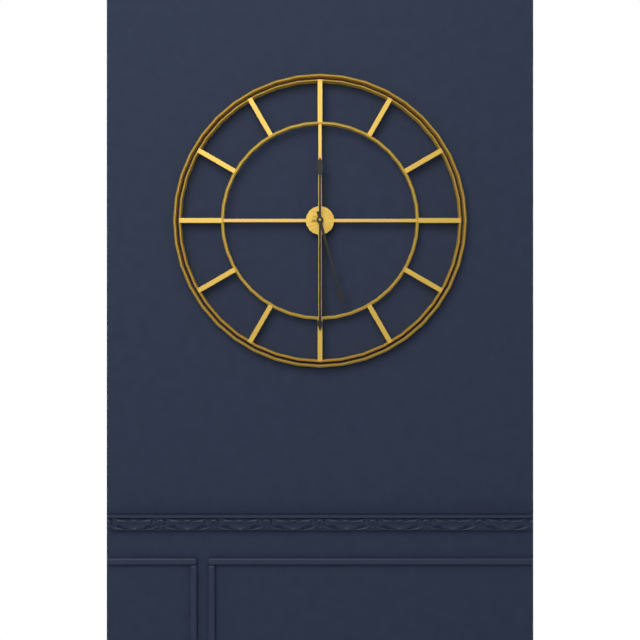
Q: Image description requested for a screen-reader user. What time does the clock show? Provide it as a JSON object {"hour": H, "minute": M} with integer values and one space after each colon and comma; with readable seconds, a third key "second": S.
{"hour": 5, "minute": 30}
